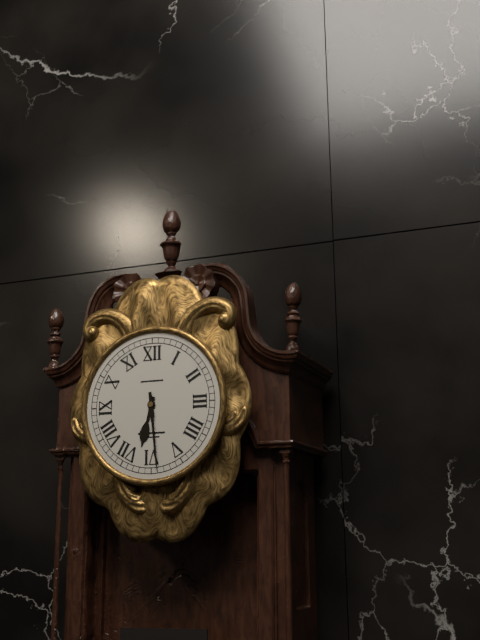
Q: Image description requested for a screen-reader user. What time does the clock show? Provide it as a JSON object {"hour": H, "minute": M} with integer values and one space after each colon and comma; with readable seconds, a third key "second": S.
{"hour": 6, "minute": 29}
